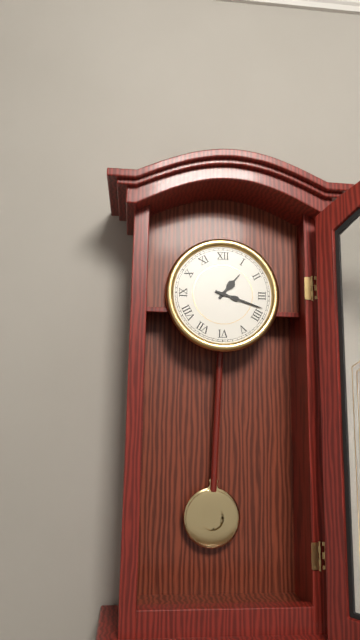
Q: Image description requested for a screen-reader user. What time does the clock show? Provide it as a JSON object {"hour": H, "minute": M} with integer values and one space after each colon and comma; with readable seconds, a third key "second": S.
{"hour": 1, "minute": 18}
